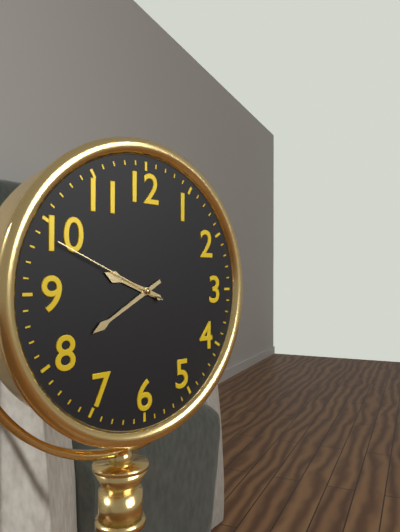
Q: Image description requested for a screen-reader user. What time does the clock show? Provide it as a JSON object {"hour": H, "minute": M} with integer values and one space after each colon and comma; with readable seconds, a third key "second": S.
{"hour": 9, "minute": 40, "second": 49}
